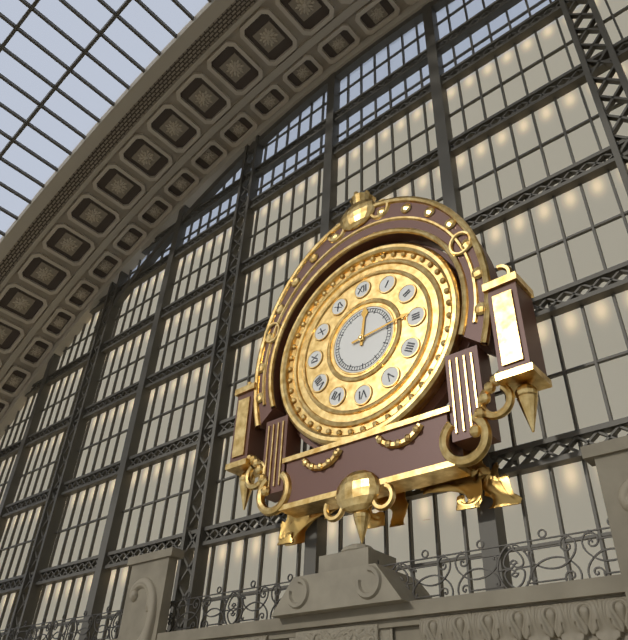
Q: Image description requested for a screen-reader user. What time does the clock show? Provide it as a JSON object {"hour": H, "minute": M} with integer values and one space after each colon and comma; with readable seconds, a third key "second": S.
{"hour": 12, "minute": 14}
